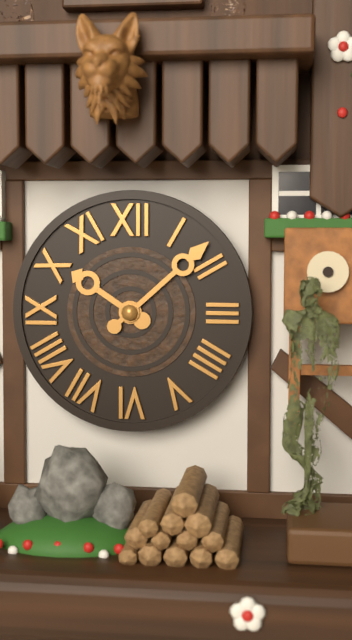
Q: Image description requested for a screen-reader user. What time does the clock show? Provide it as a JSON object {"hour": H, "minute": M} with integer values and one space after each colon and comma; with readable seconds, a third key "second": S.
{"hour": 10, "minute": 8}
